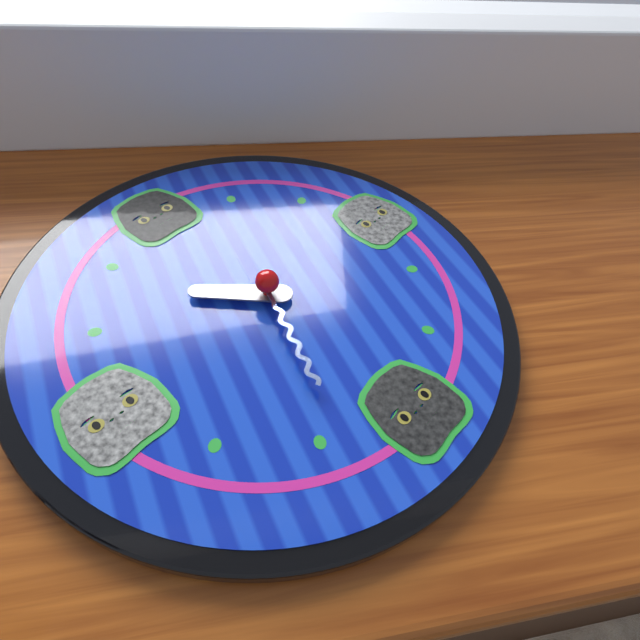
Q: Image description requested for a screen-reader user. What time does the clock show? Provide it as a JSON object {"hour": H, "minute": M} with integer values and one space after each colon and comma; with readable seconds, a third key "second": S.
{"hour": 10, "minute": 34}
